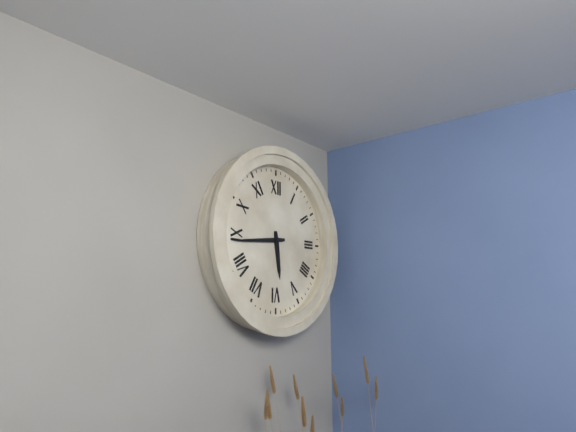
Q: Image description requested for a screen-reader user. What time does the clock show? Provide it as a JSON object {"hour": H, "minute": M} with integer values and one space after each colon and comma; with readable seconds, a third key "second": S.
{"hour": 5, "minute": 44}
